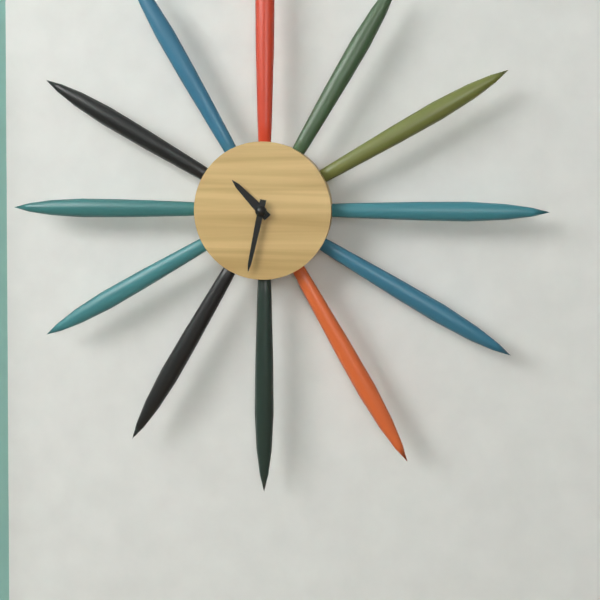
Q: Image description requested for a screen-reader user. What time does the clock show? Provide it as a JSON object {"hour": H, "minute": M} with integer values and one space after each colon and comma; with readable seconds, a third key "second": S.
{"hour": 10, "minute": 32}
